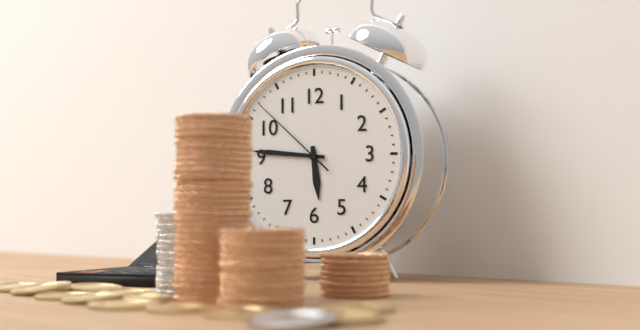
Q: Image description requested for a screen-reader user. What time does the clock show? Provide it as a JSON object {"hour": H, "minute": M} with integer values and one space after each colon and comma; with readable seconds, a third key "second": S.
{"hour": 5, "minute": 46, "second": 52}
